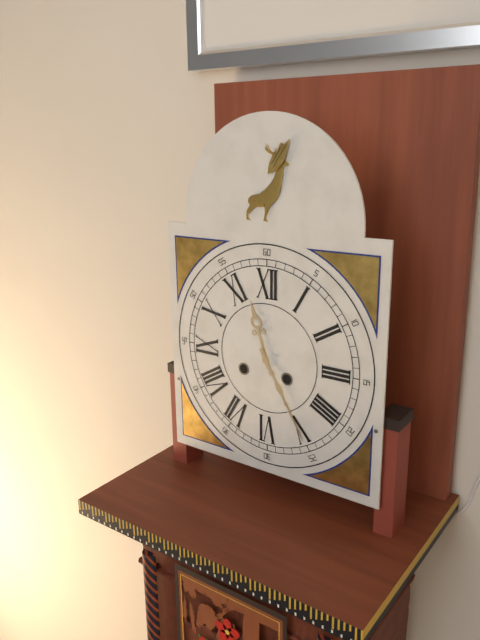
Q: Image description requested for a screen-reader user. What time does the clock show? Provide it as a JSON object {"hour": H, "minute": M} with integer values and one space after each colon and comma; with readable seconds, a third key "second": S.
{"hour": 11, "minute": 25}
